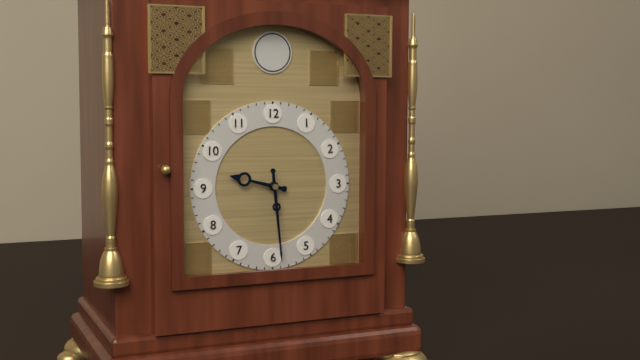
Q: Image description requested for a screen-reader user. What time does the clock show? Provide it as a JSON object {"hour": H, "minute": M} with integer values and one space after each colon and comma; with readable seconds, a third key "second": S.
{"hour": 9, "minute": 29}
